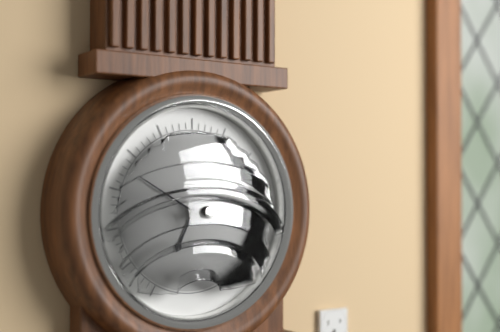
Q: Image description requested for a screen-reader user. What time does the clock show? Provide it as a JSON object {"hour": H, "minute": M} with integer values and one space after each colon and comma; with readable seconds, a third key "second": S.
{"hour": 6, "minute": 50}
